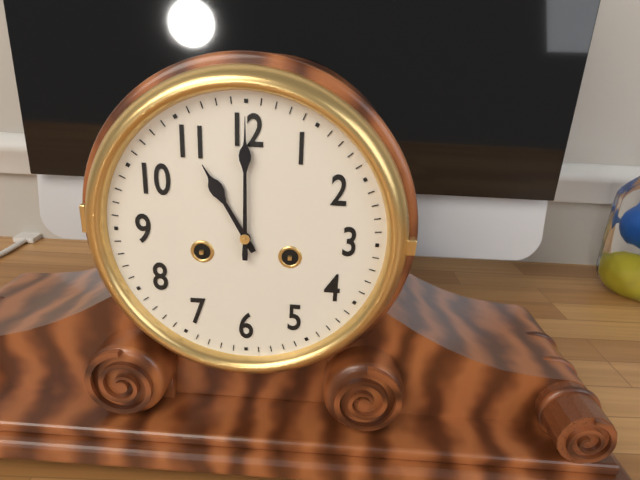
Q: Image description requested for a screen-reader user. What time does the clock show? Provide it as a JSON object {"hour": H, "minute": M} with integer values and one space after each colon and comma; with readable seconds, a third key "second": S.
{"hour": 11, "minute": 0}
